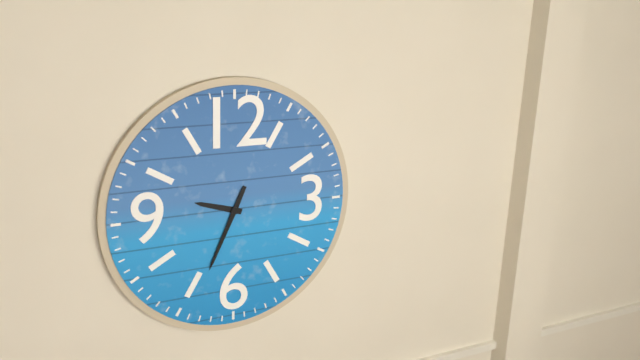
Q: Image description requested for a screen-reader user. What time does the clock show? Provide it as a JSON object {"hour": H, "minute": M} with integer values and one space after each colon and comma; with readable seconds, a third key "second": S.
{"hour": 9, "minute": 34}
